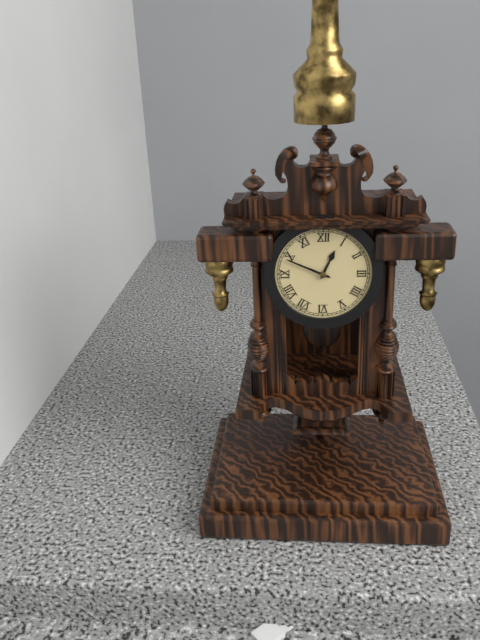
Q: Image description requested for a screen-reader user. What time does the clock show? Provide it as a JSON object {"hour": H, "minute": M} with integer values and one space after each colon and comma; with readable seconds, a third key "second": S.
{"hour": 12, "minute": 49}
